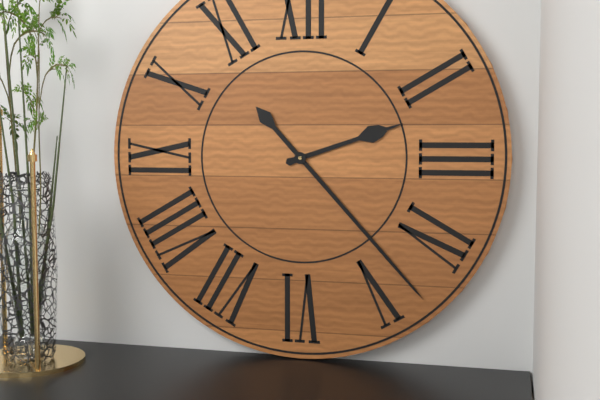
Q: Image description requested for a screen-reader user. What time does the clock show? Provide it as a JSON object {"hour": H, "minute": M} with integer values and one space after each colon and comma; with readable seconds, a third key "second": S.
{"hour": 2, "minute": 23}
